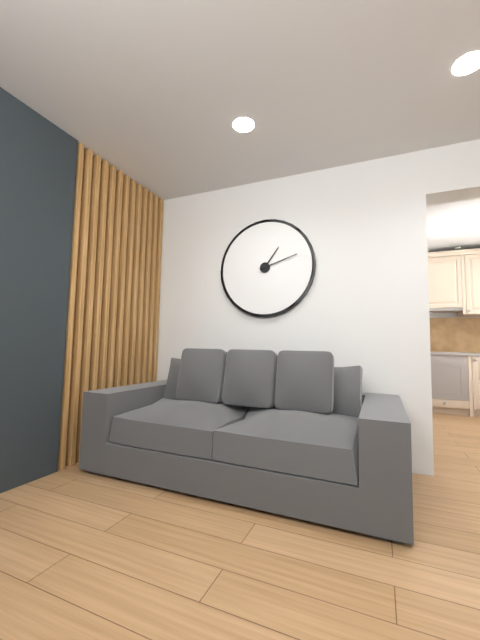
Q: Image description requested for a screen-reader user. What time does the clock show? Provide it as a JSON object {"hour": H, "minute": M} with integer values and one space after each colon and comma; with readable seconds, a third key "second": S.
{"hour": 1, "minute": 12}
